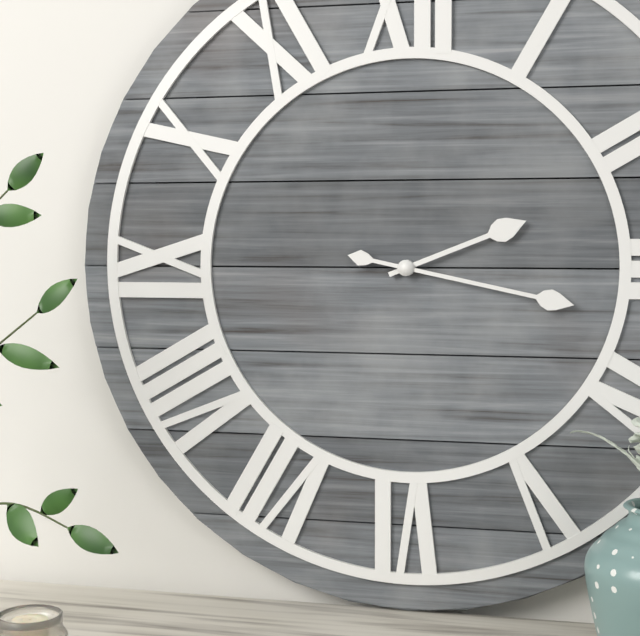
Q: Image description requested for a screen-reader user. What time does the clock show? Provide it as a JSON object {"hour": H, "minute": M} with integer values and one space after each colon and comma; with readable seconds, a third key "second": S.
{"hour": 2, "minute": 17}
